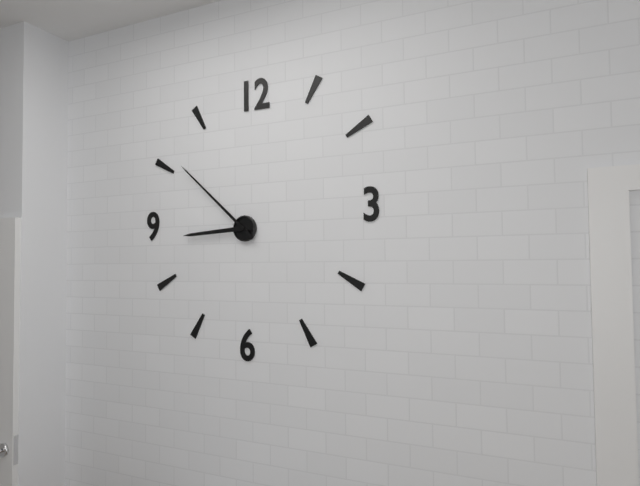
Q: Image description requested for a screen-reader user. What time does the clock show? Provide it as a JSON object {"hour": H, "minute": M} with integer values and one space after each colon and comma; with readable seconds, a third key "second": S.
{"hour": 8, "minute": 52}
